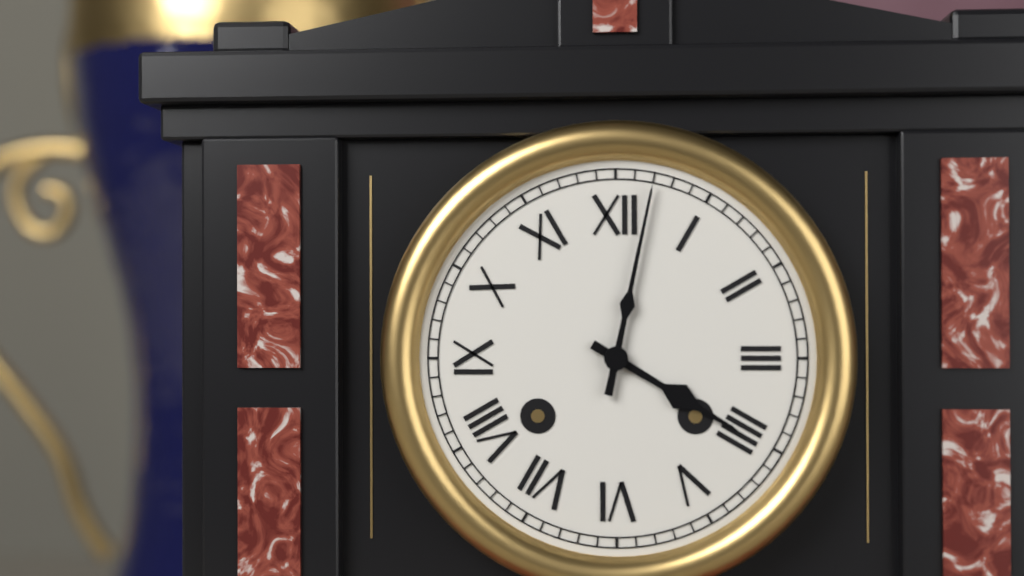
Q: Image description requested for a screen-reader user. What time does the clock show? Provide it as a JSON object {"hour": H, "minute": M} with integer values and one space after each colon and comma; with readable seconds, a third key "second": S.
{"hour": 4, "minute": 2}
